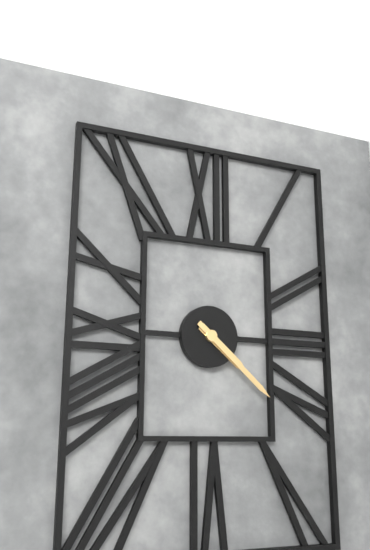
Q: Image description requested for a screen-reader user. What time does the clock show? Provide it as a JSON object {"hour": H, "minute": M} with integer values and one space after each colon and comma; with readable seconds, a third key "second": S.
{"hour": 4, "minute": 22}
